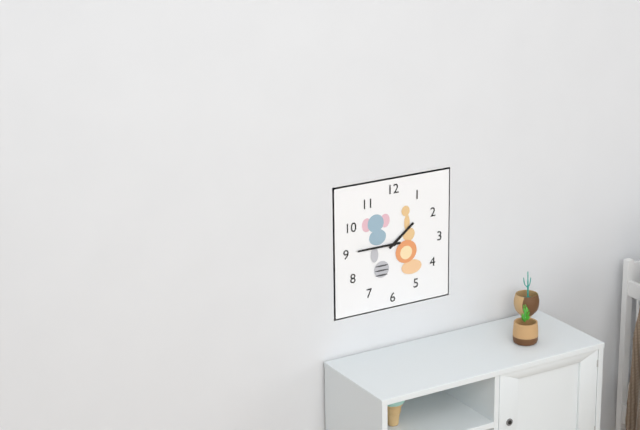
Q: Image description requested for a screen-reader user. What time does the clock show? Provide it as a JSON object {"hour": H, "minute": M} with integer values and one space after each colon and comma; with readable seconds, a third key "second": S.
{"hour": 1, "minute": 45}
